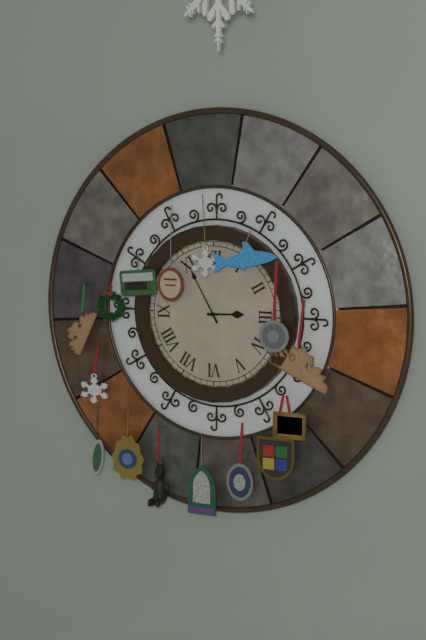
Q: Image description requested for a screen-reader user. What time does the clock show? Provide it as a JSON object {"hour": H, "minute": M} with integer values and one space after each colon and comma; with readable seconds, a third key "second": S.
{"hour": 2, "minute": 55}
